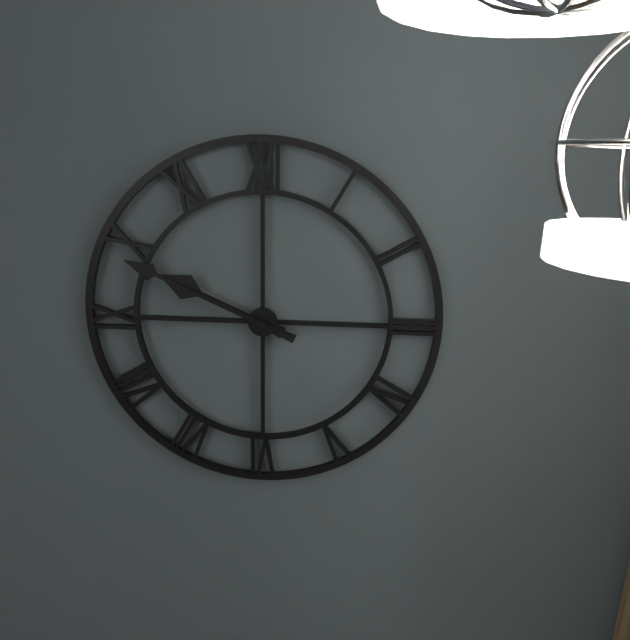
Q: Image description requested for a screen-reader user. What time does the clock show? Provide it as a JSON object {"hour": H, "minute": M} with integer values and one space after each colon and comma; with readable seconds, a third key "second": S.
{"hour": 9, "minute": 49}
